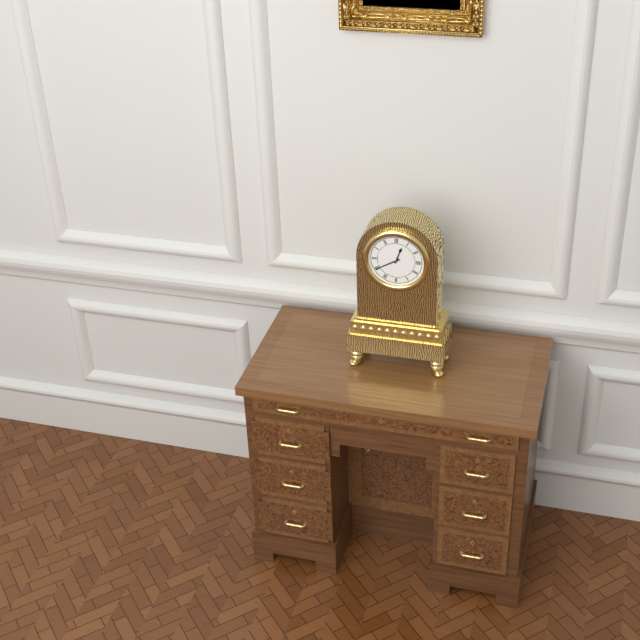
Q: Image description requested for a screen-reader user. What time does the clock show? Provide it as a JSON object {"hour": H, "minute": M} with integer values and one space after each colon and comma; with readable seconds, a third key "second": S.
{"hour": 12, "minute": 40}
